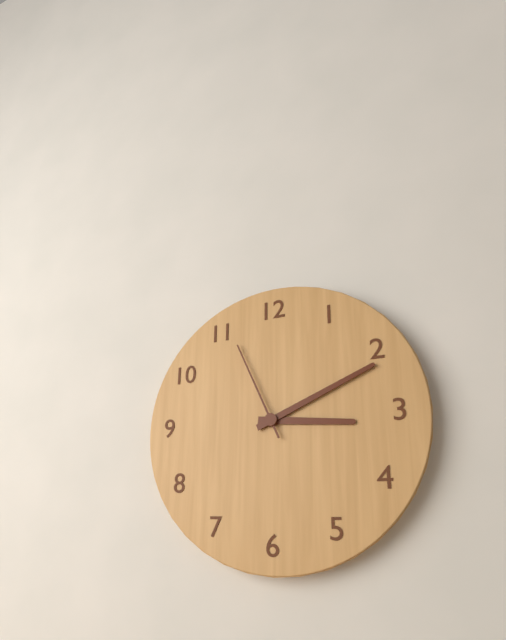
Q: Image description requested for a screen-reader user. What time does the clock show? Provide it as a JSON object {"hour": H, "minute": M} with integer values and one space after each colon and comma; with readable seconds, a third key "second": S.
{"hour": 3, "minute": 11, "second": 56}
